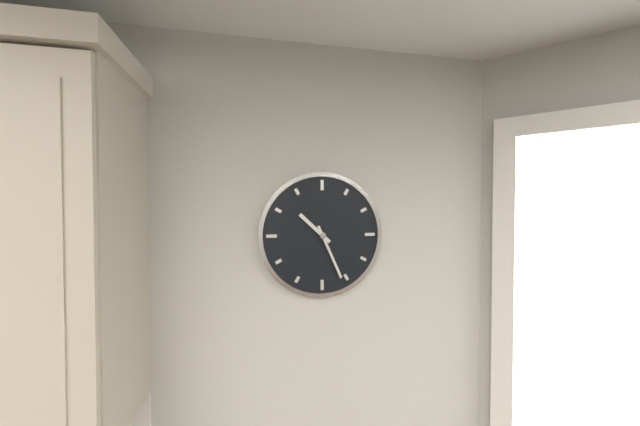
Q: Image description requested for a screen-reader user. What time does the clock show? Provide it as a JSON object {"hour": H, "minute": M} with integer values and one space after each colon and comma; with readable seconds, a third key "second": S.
{"hour": 10, "minute": 26}
